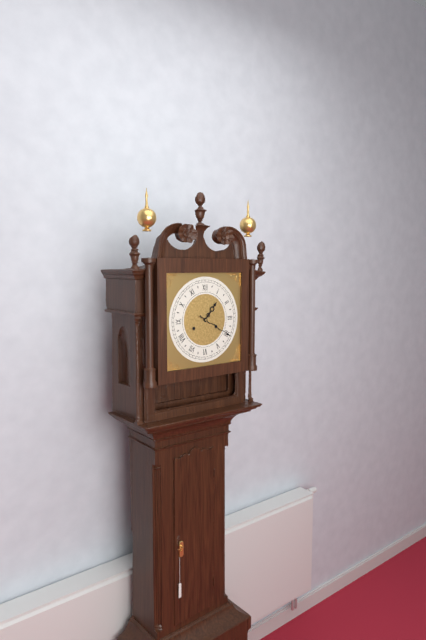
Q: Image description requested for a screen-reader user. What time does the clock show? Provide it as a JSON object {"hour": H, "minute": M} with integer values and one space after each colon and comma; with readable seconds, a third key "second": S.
{"hour": 1, "minute": 20}
